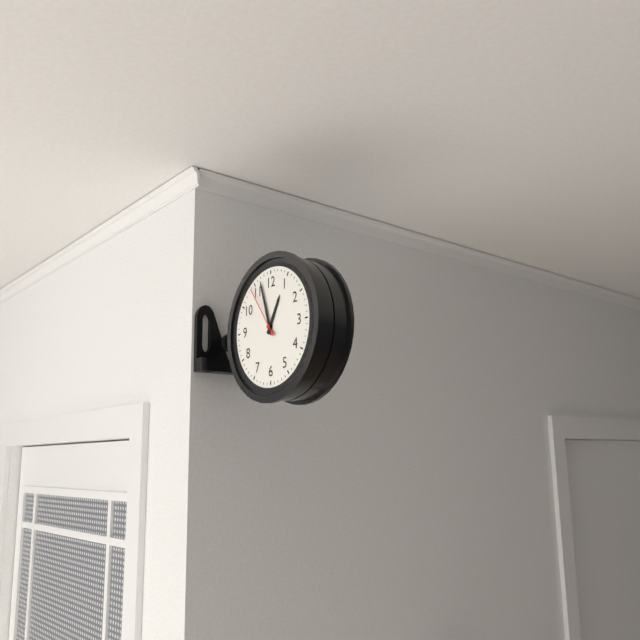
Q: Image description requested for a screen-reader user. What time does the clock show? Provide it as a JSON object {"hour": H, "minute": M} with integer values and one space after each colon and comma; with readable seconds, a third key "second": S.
{"hour": 12, "minute": 57, "second": 54}
